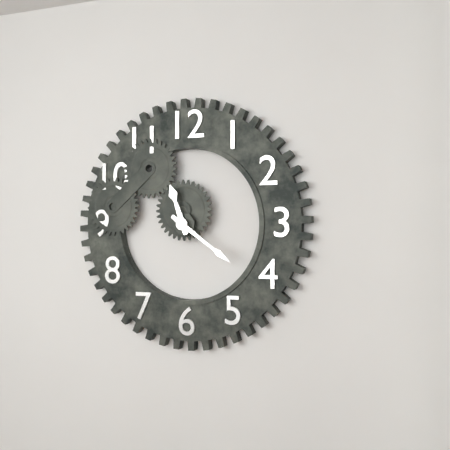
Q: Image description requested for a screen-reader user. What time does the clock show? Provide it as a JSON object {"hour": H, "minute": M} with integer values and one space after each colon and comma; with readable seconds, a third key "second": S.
{"hour": 11, "minute": 21}
